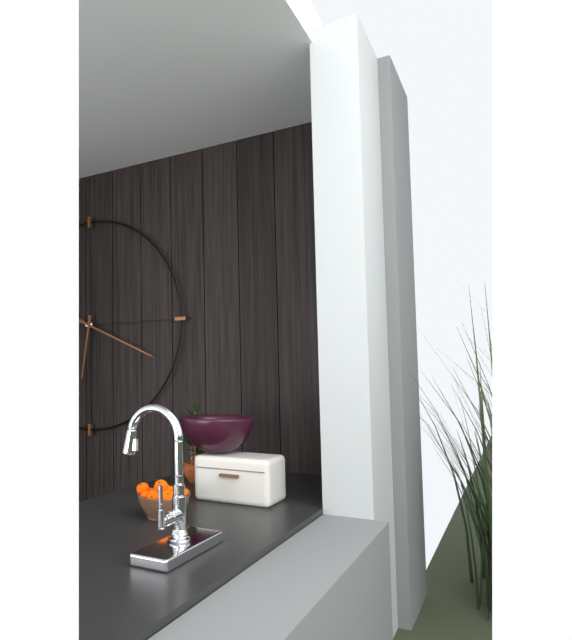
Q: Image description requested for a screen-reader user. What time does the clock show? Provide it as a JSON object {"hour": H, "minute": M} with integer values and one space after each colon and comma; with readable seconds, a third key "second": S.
{"hour": 6, "minute": 19}
